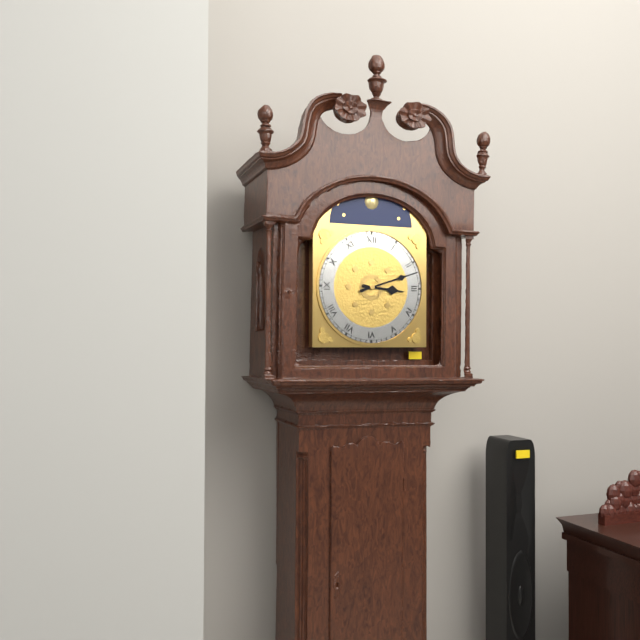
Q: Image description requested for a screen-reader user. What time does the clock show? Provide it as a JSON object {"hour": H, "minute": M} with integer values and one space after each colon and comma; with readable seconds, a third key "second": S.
{"hour": 3, "minute": 12}
